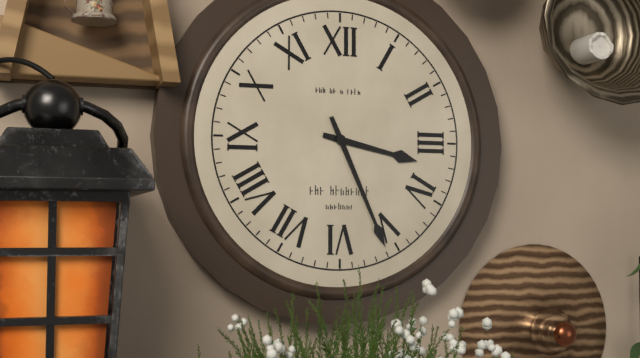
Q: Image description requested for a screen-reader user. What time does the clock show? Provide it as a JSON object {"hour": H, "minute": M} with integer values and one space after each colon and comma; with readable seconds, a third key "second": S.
{"hour": 3, "minute": 26}
